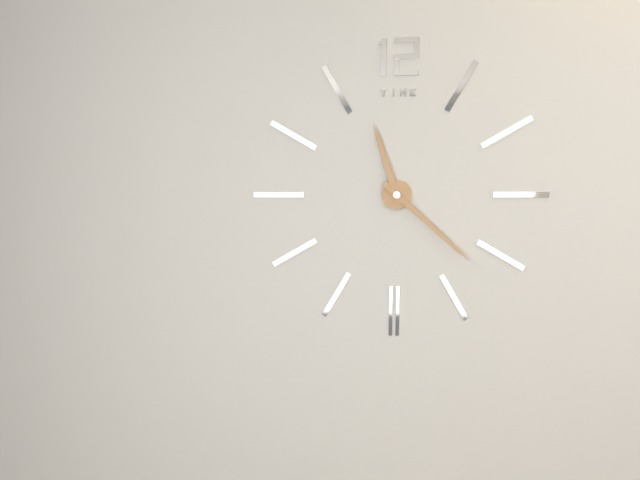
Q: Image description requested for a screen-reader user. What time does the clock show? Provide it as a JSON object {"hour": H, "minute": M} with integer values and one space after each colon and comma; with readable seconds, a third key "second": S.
{"hour": 11, "minute": 22}
